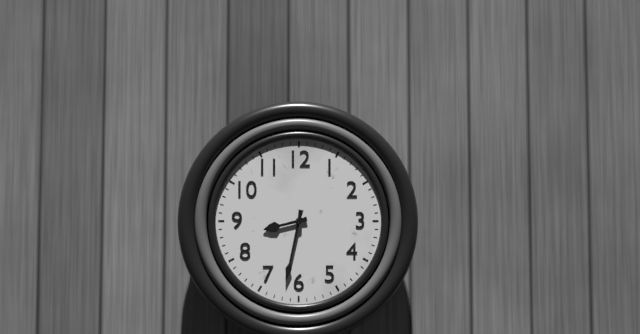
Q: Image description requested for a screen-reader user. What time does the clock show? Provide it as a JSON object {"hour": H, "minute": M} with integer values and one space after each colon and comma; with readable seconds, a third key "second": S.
{"hour": 8, "minute": 32}
